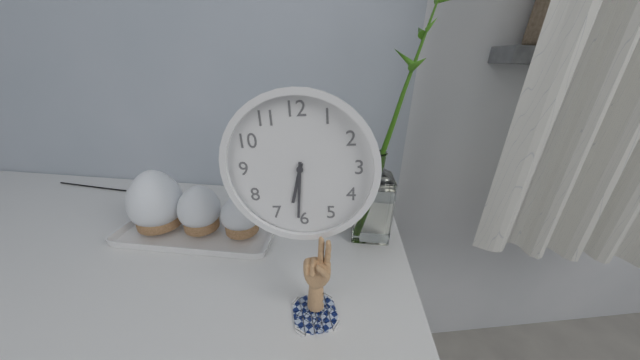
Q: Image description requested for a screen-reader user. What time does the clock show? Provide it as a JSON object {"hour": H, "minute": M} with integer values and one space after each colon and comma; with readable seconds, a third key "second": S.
{"hour": 6, "minute": 31}
